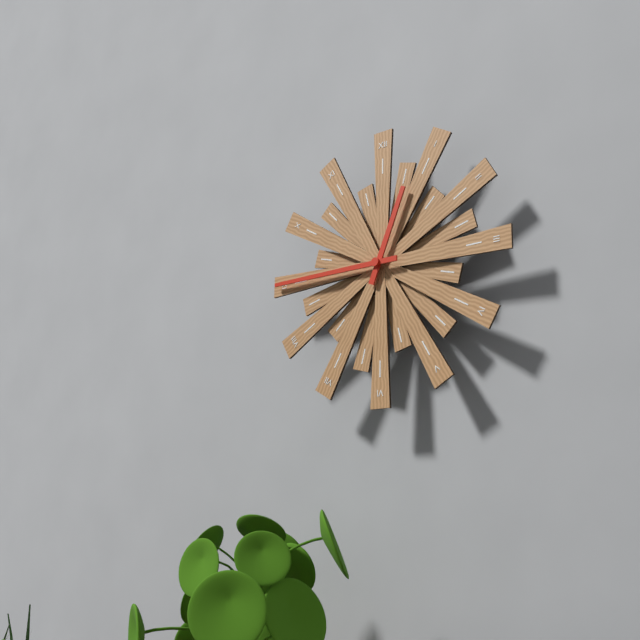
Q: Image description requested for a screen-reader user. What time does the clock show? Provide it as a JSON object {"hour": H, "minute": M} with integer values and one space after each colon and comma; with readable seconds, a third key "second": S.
{"hour": 12, "minute": 45}
